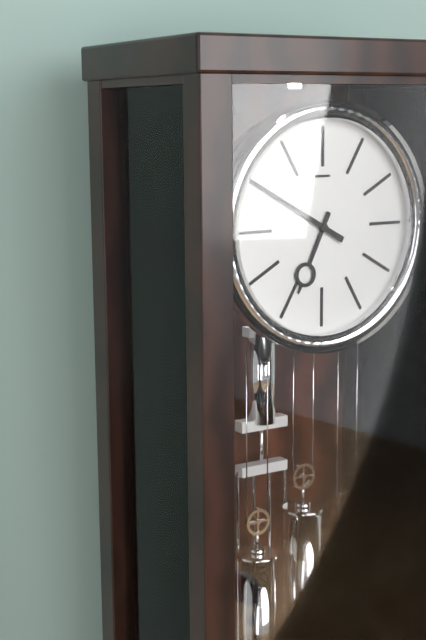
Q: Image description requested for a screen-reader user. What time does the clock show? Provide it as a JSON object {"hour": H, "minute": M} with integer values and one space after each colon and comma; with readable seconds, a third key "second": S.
{"hour": 6, "minute": 50}
